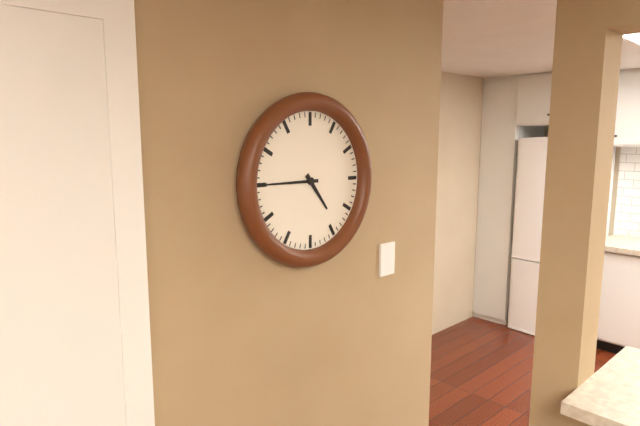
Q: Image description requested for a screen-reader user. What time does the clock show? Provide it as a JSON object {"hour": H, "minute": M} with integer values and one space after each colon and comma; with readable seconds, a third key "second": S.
{"hour": 4, "minute": 45}
